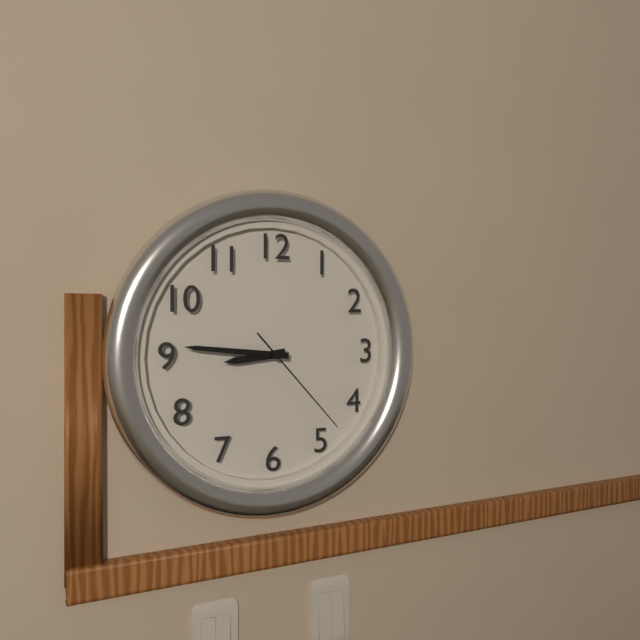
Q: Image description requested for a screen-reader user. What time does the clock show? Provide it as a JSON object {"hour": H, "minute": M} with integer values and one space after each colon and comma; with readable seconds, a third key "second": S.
{"hour": 8, "minute": 46, "second": 23}
